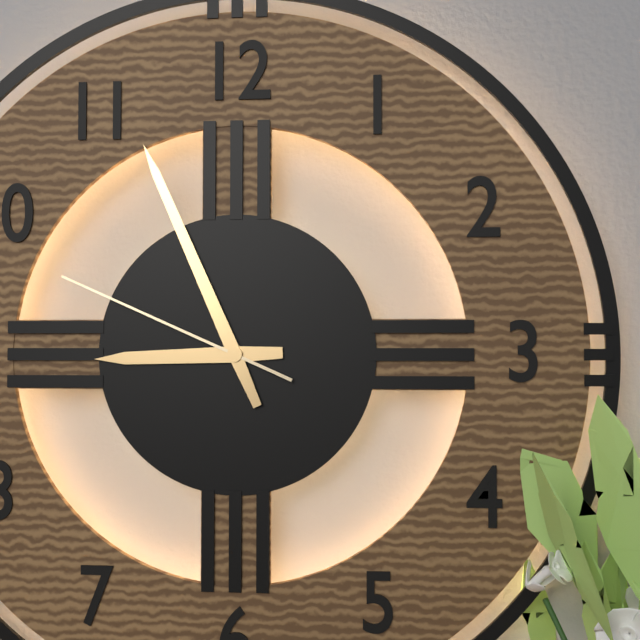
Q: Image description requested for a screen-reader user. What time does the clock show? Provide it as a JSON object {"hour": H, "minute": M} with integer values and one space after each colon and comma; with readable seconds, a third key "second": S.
{"hour": 8, "minute": 56, "second": 49}
